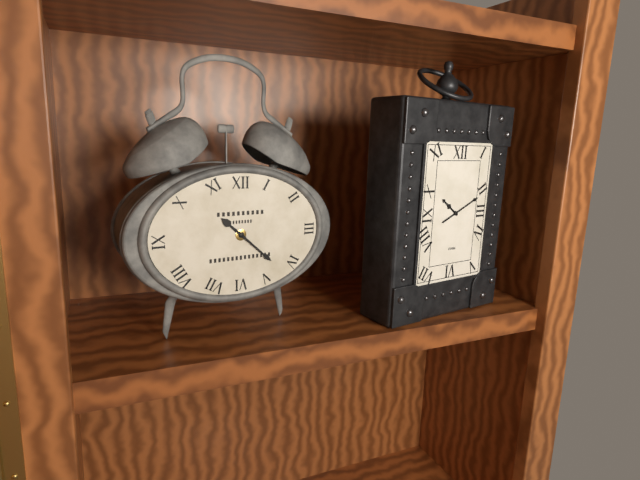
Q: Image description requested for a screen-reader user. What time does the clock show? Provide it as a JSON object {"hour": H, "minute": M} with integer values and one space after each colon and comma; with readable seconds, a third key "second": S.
{"hour": 10, "minute": 22}
